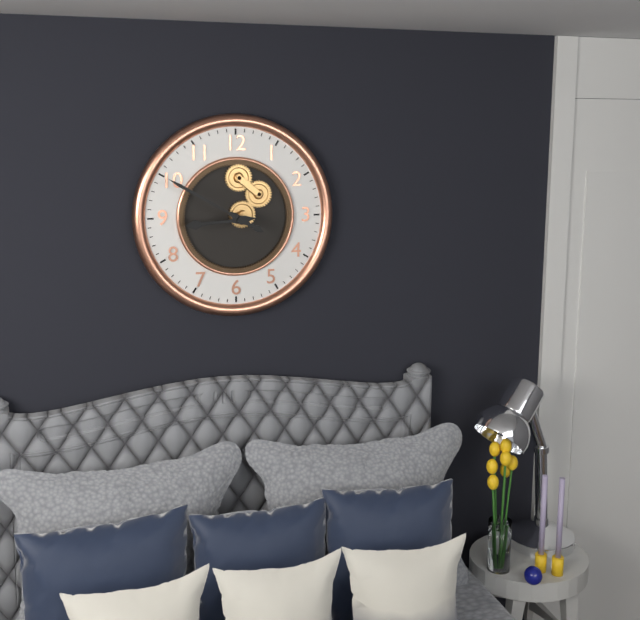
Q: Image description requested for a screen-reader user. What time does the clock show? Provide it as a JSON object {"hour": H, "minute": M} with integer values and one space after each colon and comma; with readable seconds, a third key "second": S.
{"hour": 8, "minute": 50}
